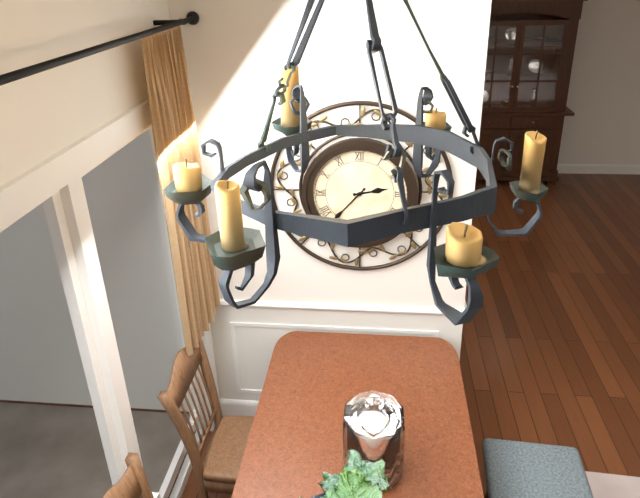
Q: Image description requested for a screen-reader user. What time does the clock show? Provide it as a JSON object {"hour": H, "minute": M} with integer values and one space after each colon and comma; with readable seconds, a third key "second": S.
{"hour": 2, "minute": 37}
